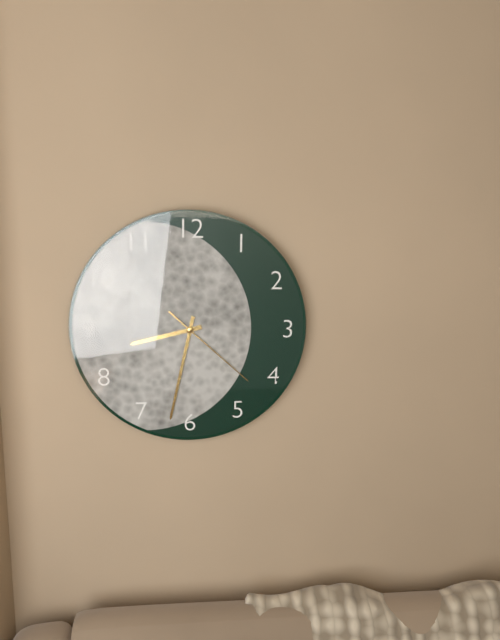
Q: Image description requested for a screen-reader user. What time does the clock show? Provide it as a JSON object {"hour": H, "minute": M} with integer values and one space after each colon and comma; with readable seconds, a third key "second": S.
{"hour": 8, "minute": 32, "second": 22}
